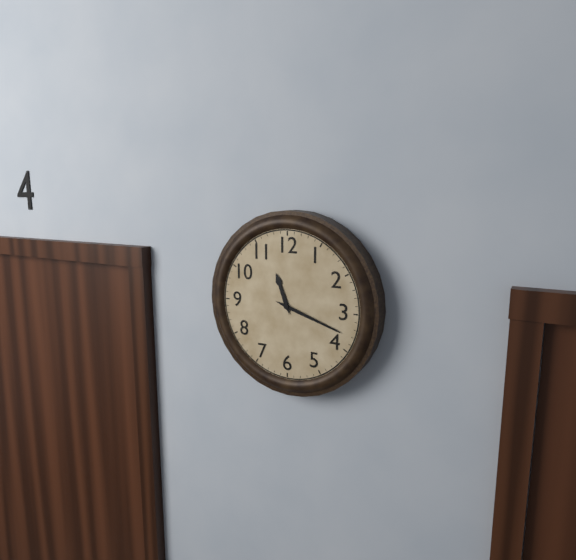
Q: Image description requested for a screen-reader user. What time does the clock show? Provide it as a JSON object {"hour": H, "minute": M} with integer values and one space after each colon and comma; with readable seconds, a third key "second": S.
{"hour": 11, "minute": 18}
